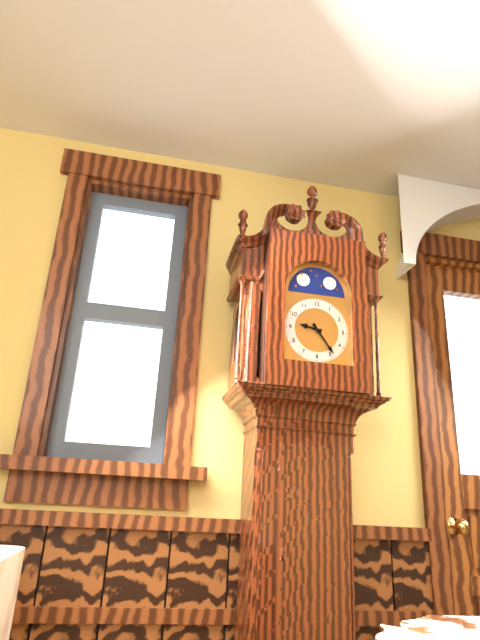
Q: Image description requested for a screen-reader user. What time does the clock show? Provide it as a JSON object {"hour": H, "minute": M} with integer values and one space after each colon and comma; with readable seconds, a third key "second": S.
{"hour": 9, "minute": 24}
